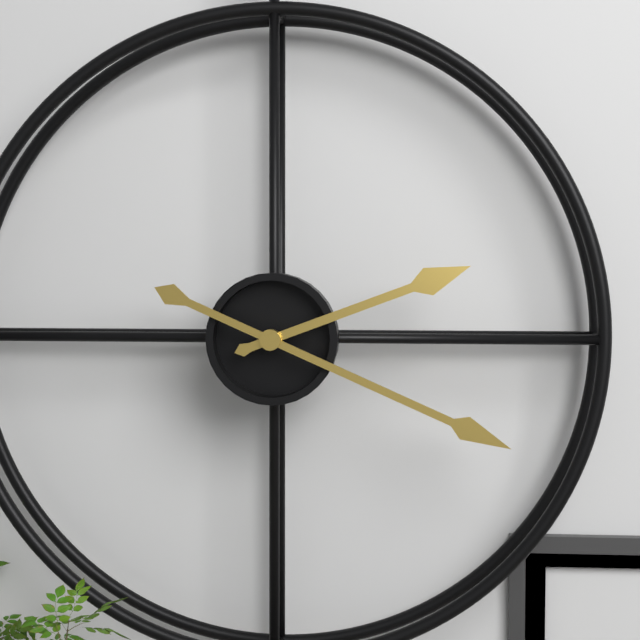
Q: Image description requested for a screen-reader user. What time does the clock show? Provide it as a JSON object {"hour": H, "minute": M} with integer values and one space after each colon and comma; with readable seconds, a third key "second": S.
{"hour": 2, "minute": 19}
